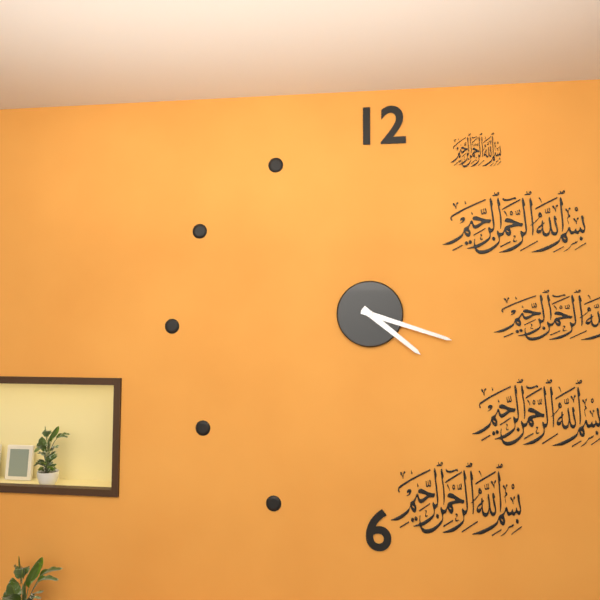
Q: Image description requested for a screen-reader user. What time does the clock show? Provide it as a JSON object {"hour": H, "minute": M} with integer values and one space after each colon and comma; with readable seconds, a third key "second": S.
{"hour": 4, "minute": 18}
